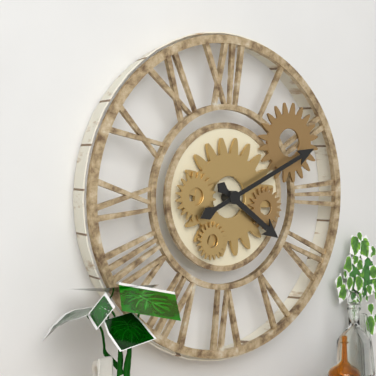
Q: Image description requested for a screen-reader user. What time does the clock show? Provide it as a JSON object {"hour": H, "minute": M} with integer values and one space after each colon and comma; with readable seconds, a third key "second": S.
{"hour": 4, "minute": 11}
